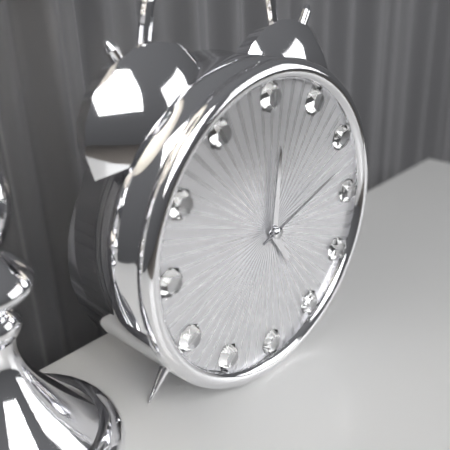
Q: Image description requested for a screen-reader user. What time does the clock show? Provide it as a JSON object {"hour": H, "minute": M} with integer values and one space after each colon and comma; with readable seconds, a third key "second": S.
{"hour": 5, "minute": 1, "second": 12}
